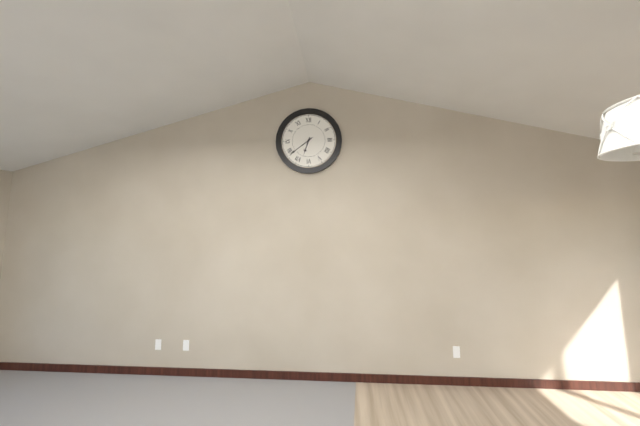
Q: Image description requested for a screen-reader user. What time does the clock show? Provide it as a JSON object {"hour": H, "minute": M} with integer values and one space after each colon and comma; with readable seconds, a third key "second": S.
{"hour": 6, "minute": 39}
